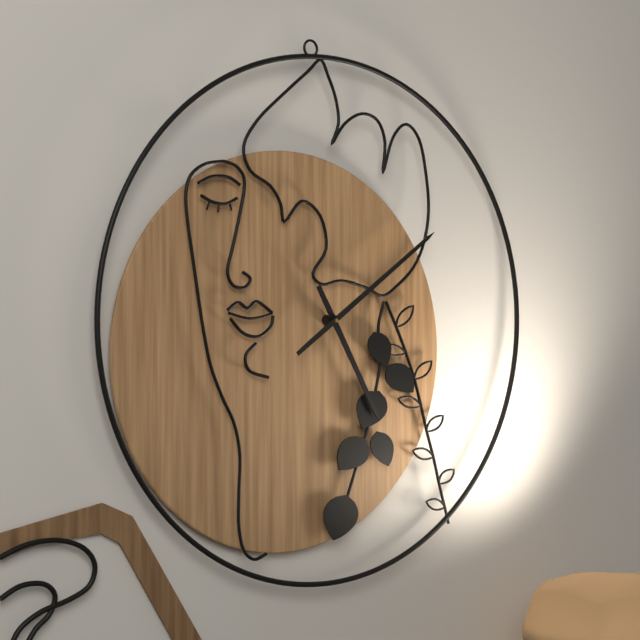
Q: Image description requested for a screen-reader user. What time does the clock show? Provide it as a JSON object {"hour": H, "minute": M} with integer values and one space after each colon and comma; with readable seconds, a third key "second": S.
{"hour": 5, "minute": 10}
